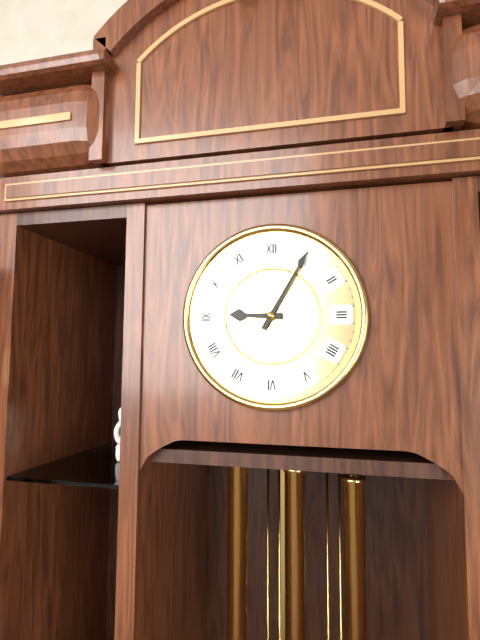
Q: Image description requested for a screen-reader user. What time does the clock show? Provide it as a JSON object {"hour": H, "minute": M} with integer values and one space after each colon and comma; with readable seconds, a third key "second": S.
{"hour": 9, "minute": 5}
